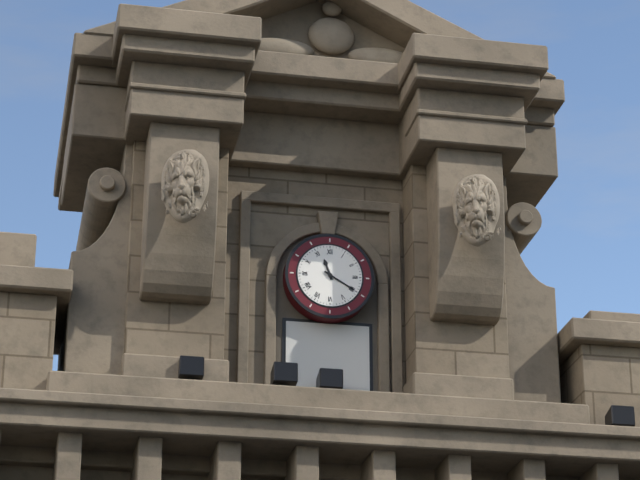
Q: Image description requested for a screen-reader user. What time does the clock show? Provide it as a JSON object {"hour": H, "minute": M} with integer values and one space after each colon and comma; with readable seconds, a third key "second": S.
{"hour": 11, "minute": 20}
